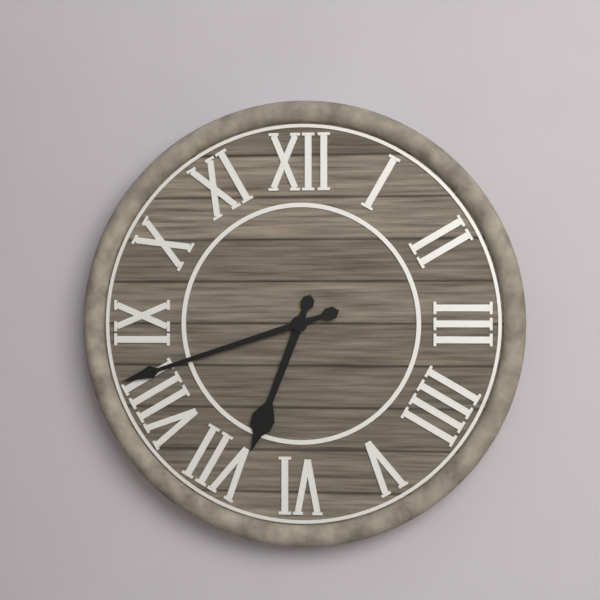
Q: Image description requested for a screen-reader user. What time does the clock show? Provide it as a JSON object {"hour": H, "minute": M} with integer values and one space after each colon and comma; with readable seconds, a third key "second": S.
{"hour": 6, "minute": 42}
